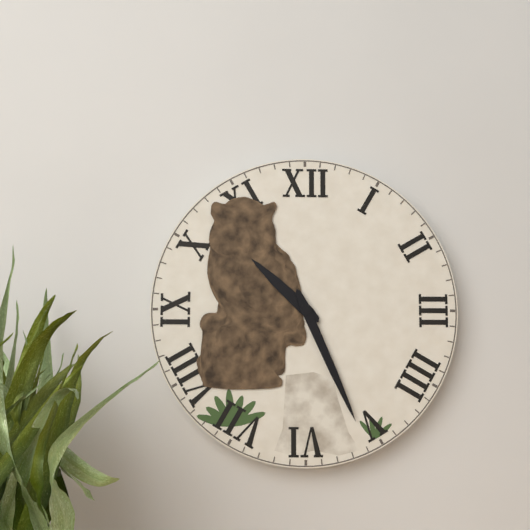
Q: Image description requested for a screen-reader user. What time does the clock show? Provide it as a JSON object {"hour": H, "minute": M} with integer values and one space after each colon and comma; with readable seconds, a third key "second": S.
{"hour": 10, "minute": 26}
